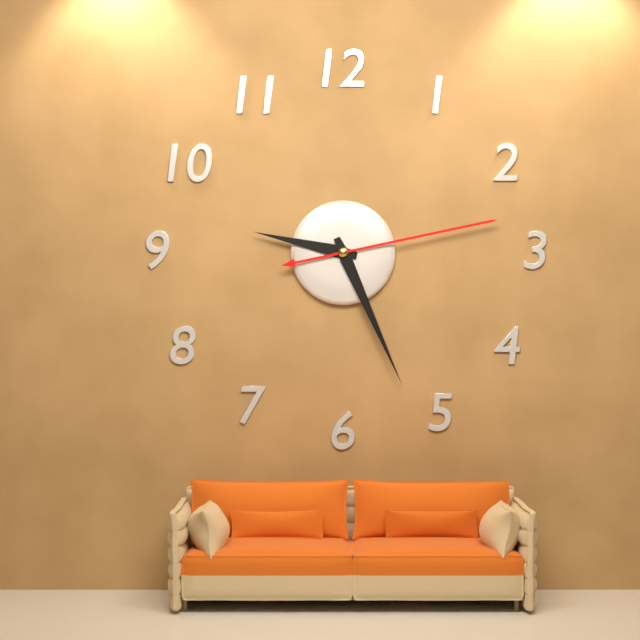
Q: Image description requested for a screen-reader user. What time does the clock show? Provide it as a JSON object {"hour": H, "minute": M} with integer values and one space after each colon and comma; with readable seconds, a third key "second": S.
{"hour": 9, "minute": 26, "second": 13}
